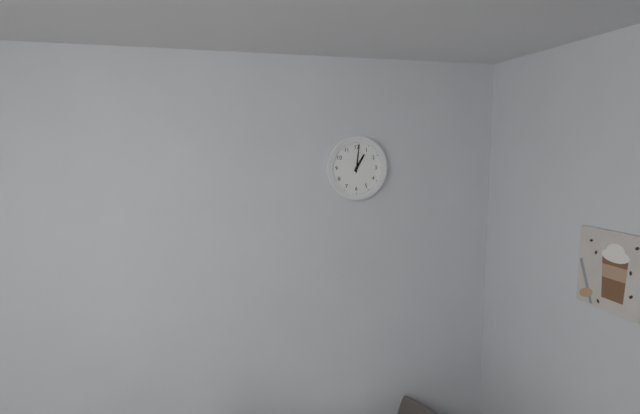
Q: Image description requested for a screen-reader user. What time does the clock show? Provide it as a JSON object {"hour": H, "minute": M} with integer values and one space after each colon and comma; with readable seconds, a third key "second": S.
{"hour": 1, "minute": 1}
